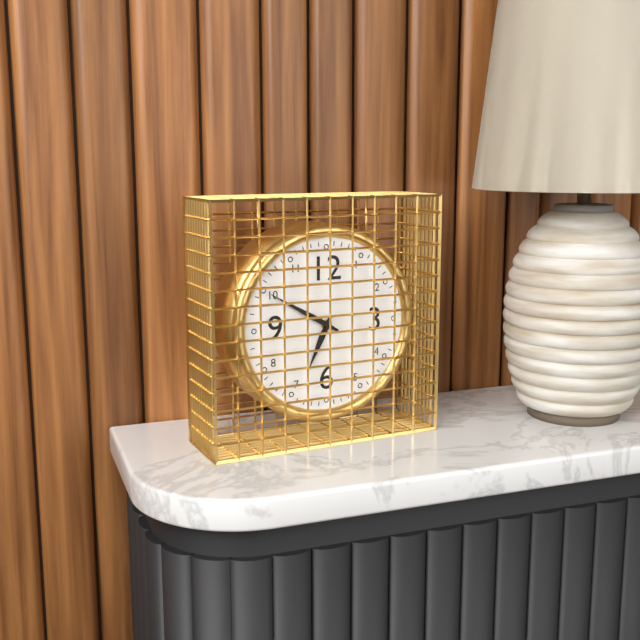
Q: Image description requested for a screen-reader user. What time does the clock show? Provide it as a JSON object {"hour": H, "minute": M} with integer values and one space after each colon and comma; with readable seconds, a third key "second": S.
{"hour": 6, "minute": 50}
